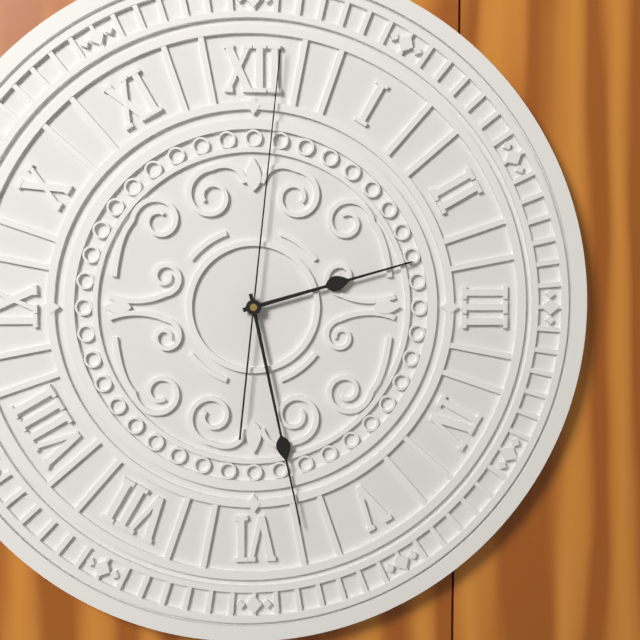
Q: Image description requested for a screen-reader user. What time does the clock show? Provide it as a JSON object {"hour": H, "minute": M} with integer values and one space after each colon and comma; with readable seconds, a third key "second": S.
{"hour": 2, "minute": 28, "second": 1}
